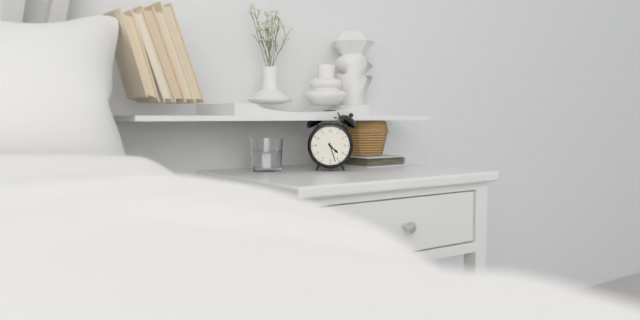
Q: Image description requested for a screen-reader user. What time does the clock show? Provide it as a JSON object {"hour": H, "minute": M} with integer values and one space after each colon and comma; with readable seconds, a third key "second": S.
{"hour": 4, "minute": 27}
